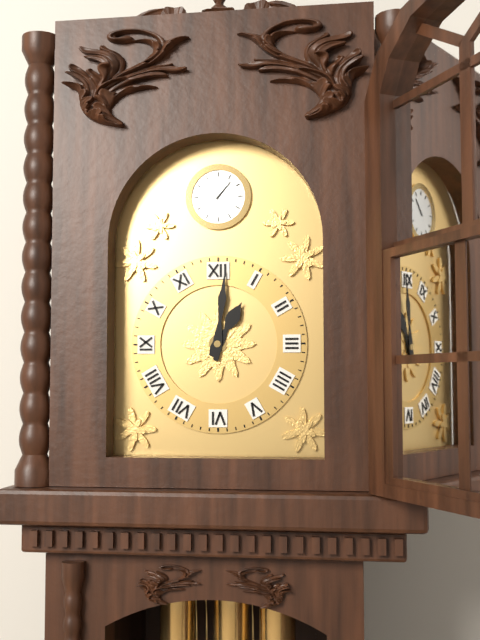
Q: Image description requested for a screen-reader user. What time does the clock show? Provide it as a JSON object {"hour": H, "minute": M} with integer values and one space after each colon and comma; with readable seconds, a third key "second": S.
{"hour": 1, "minute": 1}
